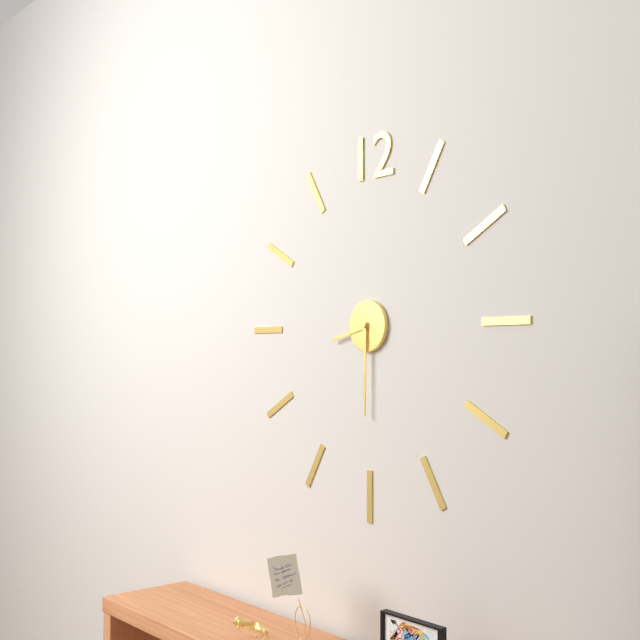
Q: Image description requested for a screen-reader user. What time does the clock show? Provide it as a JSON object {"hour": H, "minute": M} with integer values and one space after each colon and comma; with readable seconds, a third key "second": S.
{"hour": 8, "minute": 30}
